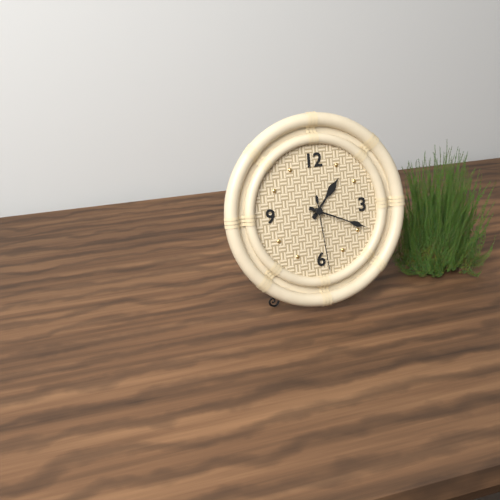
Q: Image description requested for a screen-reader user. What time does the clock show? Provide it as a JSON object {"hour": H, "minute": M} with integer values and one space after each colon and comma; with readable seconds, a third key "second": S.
{"hour": 1, "minute": 19, "second": 29}
